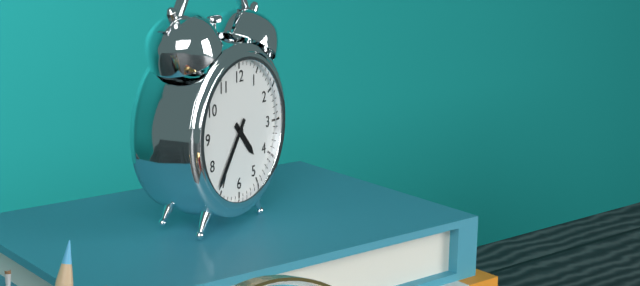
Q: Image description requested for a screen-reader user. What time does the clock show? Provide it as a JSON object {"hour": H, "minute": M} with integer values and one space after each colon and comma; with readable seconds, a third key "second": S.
{"hour": 4, "minute": 36}
